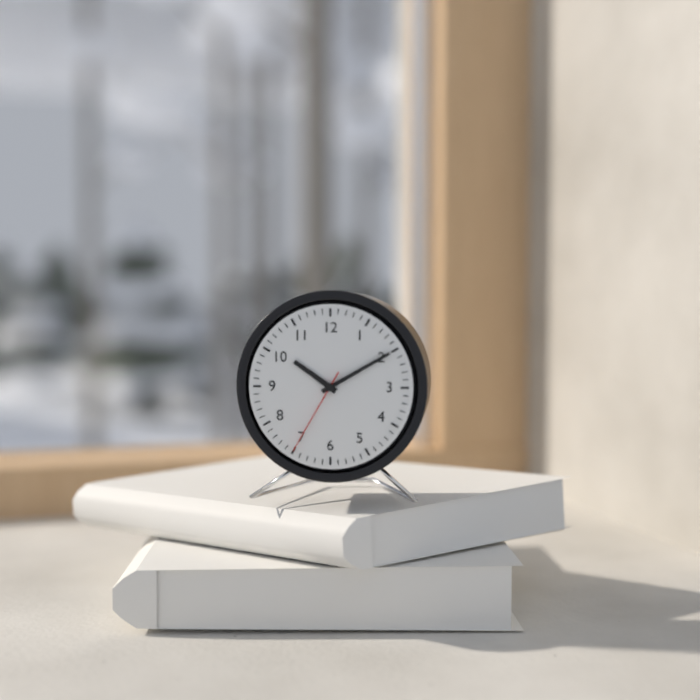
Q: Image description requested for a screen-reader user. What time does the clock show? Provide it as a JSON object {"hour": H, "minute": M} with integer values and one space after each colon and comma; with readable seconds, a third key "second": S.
{"hour": 10, "minute": 10, "second": 35}
